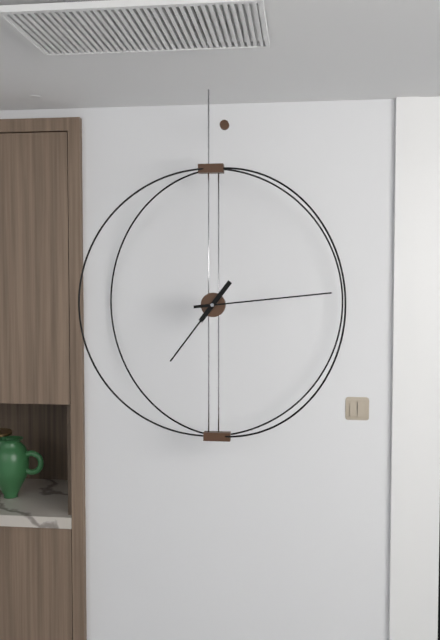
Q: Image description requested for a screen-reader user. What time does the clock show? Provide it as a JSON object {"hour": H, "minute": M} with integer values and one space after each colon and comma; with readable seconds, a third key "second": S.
{"hour": 7, "minute": 14}
